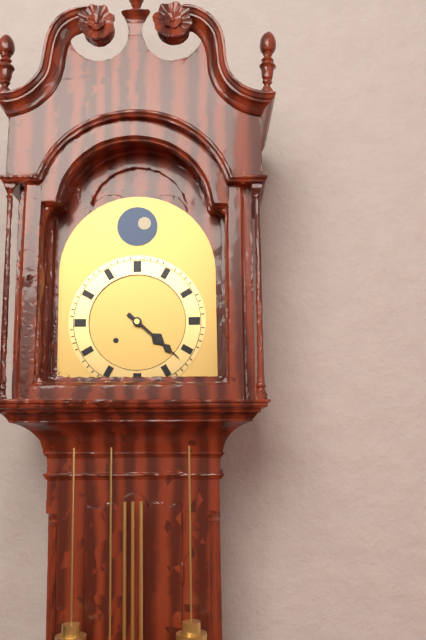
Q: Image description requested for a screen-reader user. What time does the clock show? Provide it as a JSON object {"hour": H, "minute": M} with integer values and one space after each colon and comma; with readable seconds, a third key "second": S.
{"hour": 4, "minute": 22}
